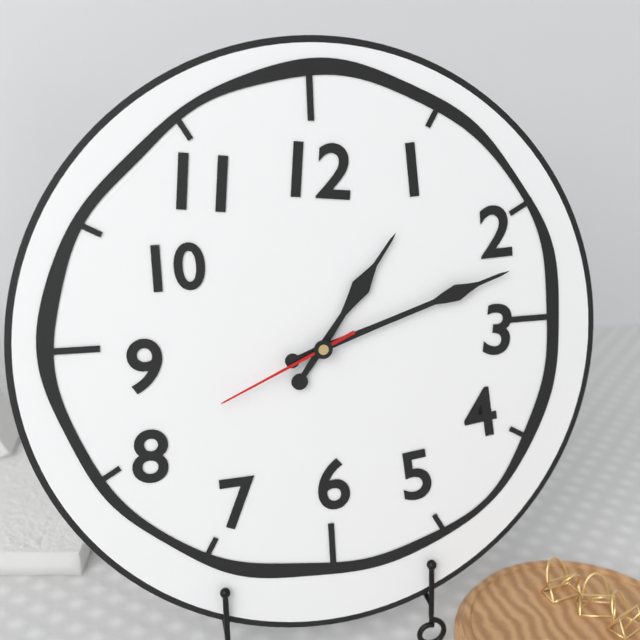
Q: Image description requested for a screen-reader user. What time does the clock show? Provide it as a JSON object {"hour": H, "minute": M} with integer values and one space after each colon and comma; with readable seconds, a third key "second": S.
{"hour": 1, "minute": 12, "second": 41}
